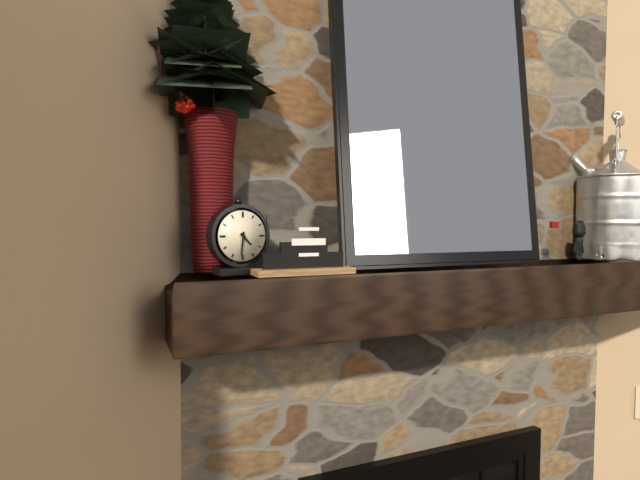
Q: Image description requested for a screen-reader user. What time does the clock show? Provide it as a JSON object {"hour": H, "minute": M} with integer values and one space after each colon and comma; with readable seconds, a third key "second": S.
{"hour": 4, "minute": 31}
